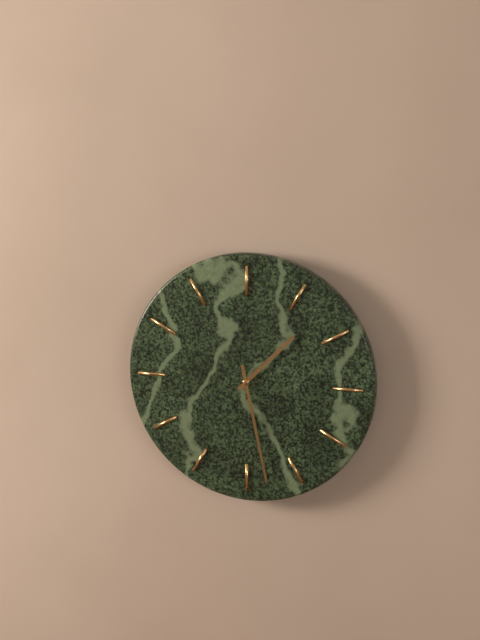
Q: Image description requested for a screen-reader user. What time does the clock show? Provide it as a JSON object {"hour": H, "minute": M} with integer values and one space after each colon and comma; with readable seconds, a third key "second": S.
{"hour": 1, "minute": 28}
